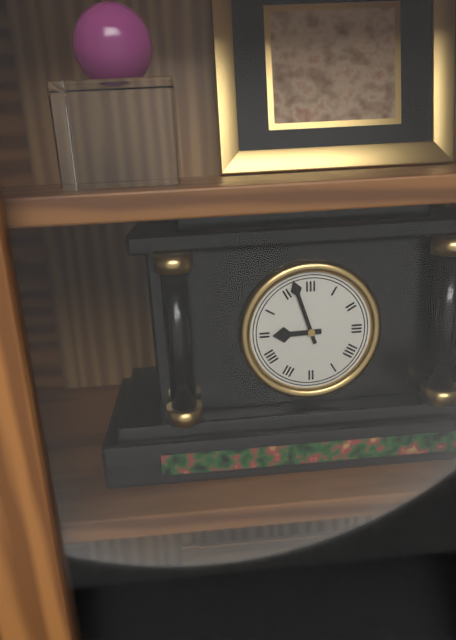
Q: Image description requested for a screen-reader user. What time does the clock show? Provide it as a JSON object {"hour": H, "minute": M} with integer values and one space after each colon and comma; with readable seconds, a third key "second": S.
{"hour": 8, "minute": 57}
